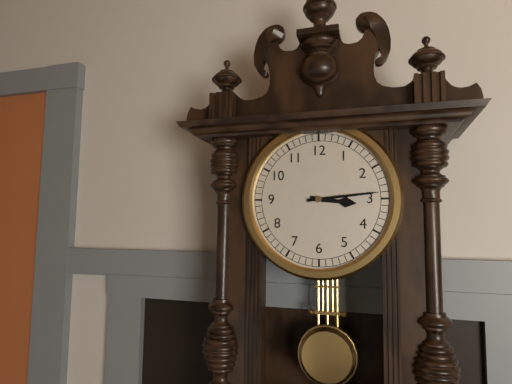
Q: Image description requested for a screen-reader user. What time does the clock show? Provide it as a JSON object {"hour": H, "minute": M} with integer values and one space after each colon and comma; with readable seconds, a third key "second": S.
{"hour": 3, "minute": 14}
